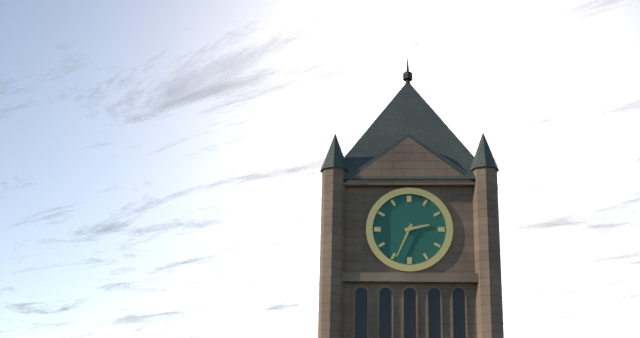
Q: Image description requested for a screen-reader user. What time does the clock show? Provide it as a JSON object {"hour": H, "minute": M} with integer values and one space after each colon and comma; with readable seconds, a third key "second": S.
{"hour": 2, "minute": 34}
